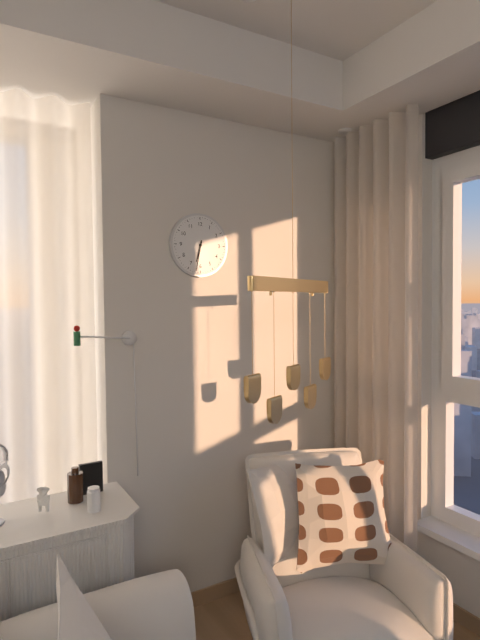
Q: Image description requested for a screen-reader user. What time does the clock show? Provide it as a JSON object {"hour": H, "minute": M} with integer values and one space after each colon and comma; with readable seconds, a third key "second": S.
{"hour": 6, "minute": 32}
